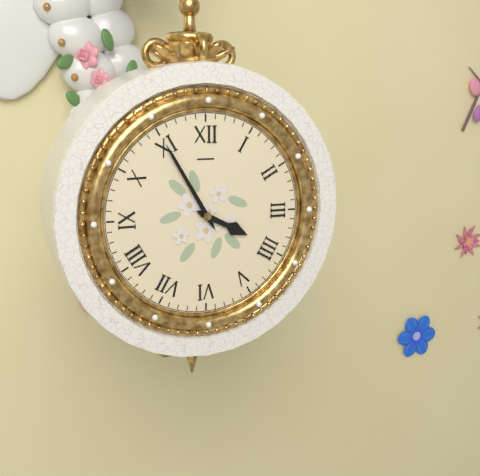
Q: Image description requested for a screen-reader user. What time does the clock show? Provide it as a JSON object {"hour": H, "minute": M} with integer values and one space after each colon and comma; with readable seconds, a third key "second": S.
{"hour": 3, "minute": 55}
